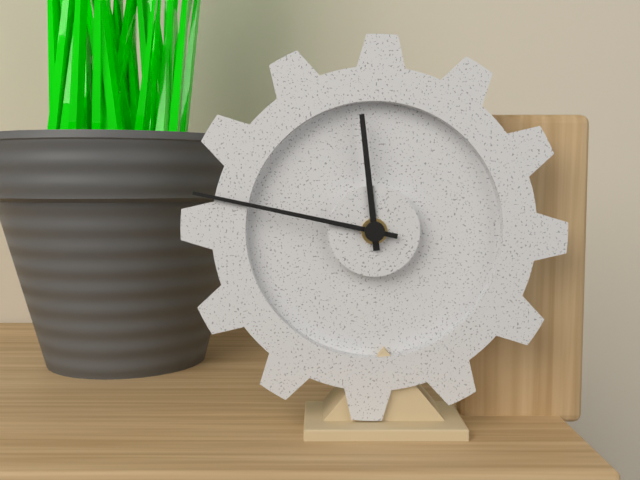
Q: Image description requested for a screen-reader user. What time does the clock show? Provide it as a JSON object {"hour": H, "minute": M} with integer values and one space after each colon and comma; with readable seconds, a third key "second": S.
{"hour": 11, "minute": 47}
